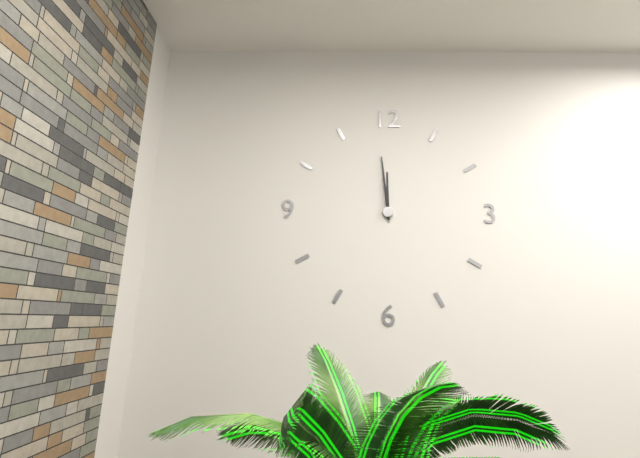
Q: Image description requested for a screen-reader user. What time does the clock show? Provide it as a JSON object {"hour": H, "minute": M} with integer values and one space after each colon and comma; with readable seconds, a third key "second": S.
{"hour": 11, "minute": 59}
